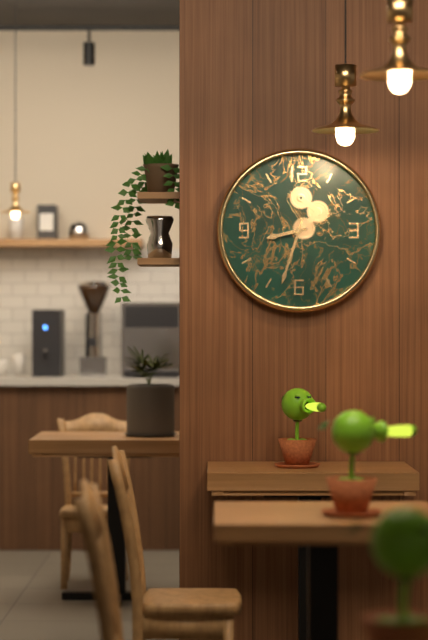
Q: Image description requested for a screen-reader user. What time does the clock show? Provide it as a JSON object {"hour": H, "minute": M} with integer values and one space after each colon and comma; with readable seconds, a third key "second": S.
{"hour": 8, "minute": 33}
